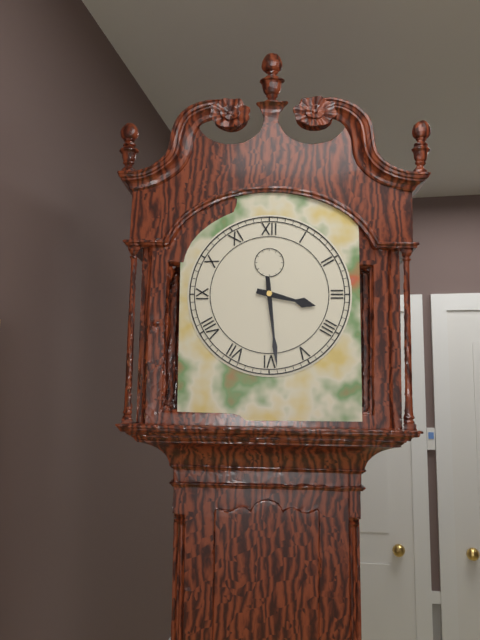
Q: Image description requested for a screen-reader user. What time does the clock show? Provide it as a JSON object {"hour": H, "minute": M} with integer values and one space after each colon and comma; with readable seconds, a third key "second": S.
{"hour": 3, "minute": 29}
